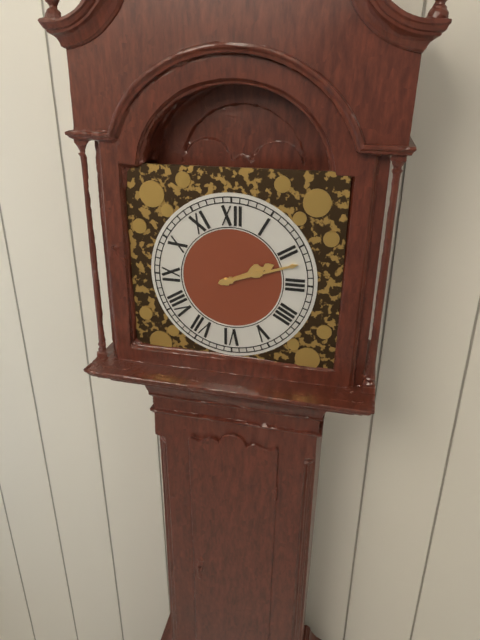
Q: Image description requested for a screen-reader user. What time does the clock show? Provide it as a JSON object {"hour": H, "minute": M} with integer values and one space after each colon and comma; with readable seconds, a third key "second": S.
{"hour": 2, "minute": 12}
